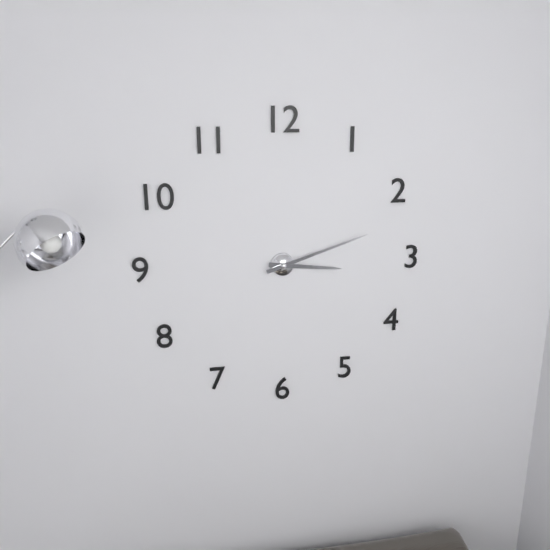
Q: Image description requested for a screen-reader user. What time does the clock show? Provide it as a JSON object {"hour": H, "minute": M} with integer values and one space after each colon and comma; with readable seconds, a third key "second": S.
{"hour": 3, "minute": 12}
